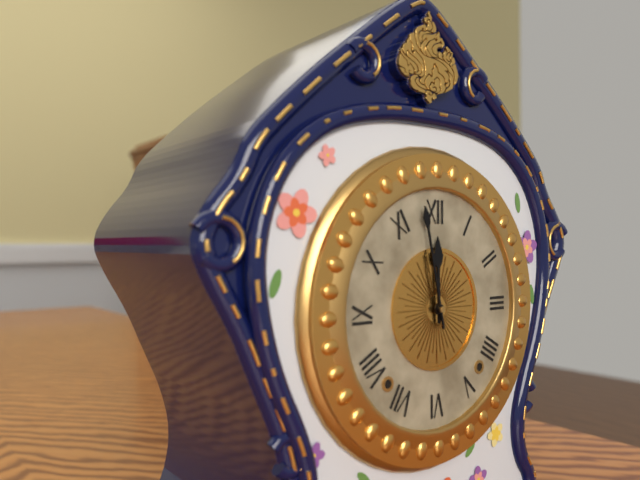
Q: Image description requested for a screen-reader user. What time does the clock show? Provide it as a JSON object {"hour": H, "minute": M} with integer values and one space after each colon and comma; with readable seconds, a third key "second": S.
{"hour": 11, "minute": 58}
